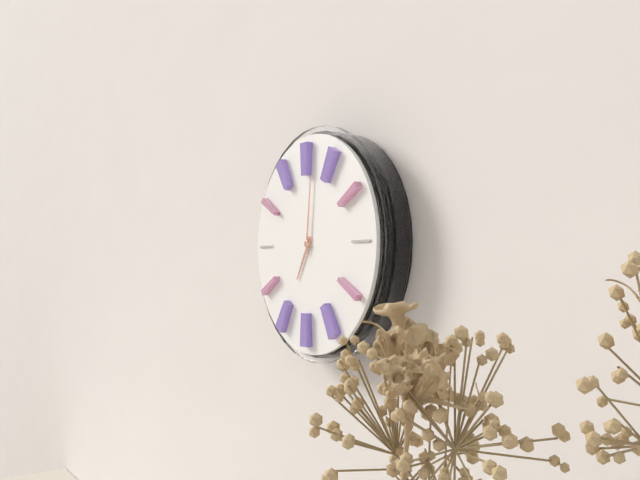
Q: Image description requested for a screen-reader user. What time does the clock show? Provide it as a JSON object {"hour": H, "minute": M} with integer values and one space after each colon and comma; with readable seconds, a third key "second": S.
{"hour": 7, "minute": 1}
